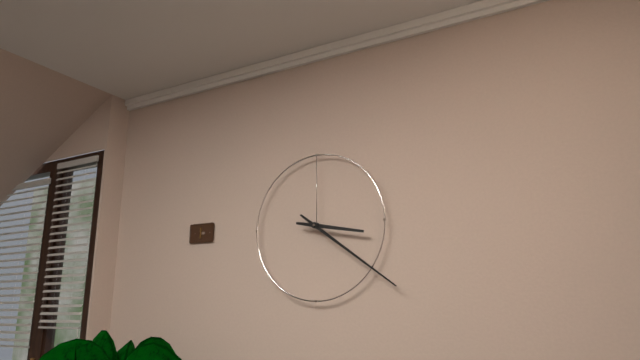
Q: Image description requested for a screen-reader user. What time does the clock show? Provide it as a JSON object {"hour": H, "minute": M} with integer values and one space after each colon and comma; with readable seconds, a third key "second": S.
{"hour": 3, "minute": 21}
